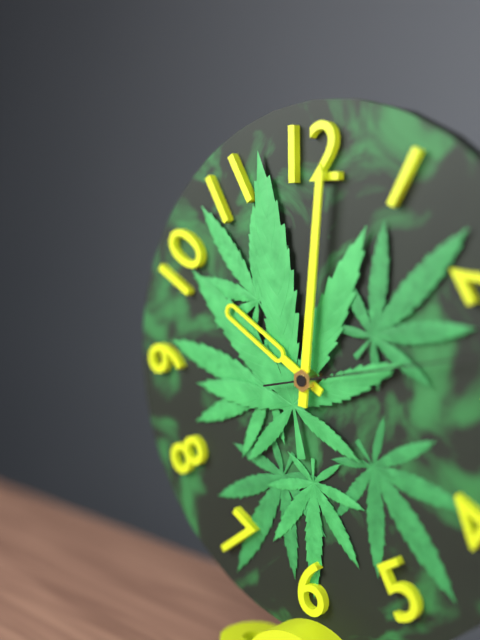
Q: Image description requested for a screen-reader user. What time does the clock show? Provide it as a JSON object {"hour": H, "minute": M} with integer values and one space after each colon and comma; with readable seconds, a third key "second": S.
{"hour": 10, "minute": 1}
